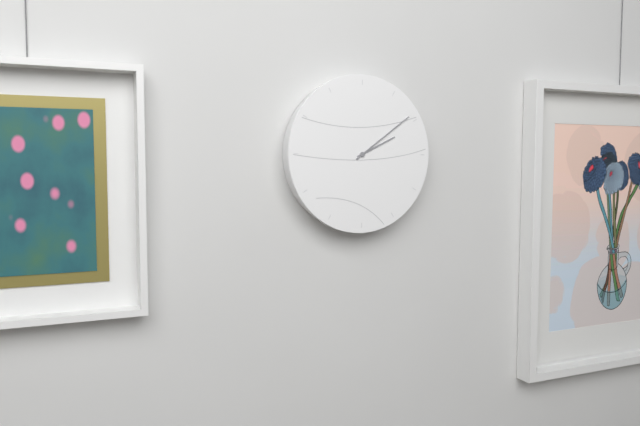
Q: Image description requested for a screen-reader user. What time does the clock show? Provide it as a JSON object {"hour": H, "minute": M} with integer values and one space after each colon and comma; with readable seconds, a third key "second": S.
{"hour": 2, "minute": 9}
